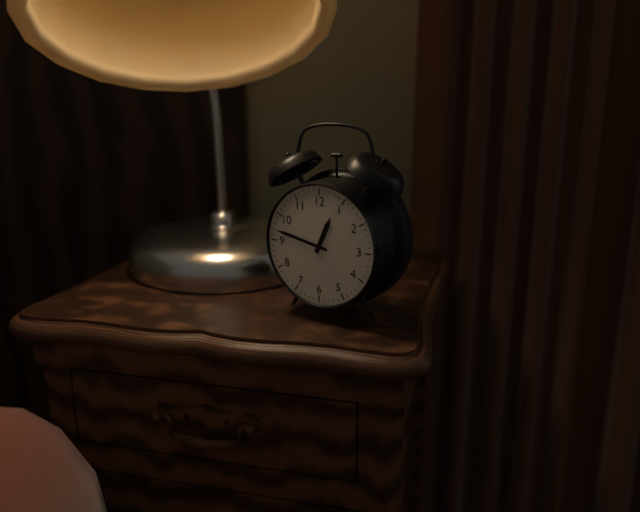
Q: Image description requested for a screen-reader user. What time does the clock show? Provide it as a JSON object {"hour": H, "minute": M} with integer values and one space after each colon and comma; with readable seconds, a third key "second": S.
{"hour": 12, "minute": 47}
